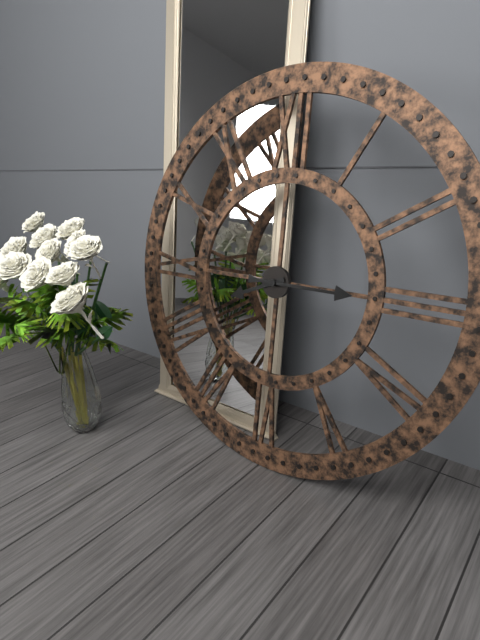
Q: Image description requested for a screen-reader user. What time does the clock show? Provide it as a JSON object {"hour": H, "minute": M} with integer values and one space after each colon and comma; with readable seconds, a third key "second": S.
{"hour": 8, "minute": 15}
